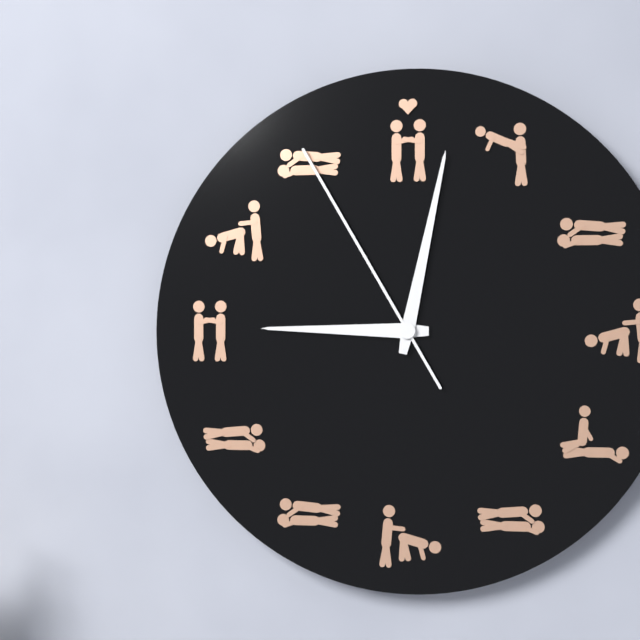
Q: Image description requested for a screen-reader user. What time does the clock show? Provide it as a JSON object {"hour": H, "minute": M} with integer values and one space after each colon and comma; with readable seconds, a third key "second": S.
{"hour": 9, "minute": 2, "second": 55}
